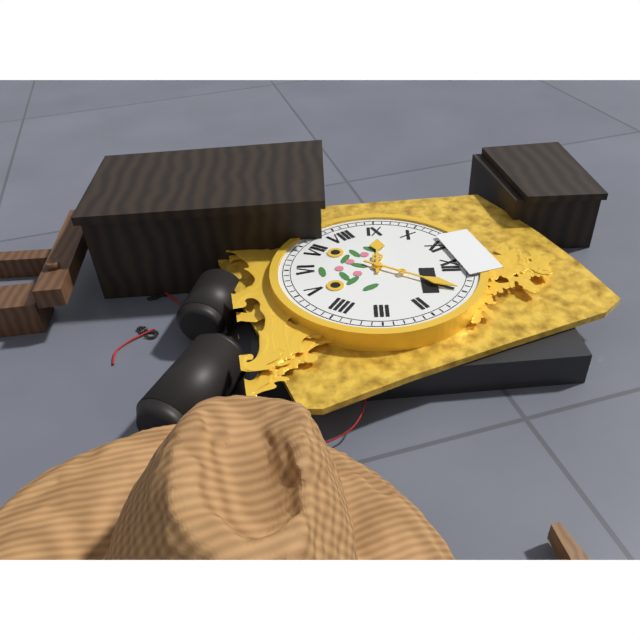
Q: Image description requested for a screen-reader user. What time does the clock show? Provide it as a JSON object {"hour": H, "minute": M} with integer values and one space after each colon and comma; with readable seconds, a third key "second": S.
{"hour": 9, "minute": 5}
